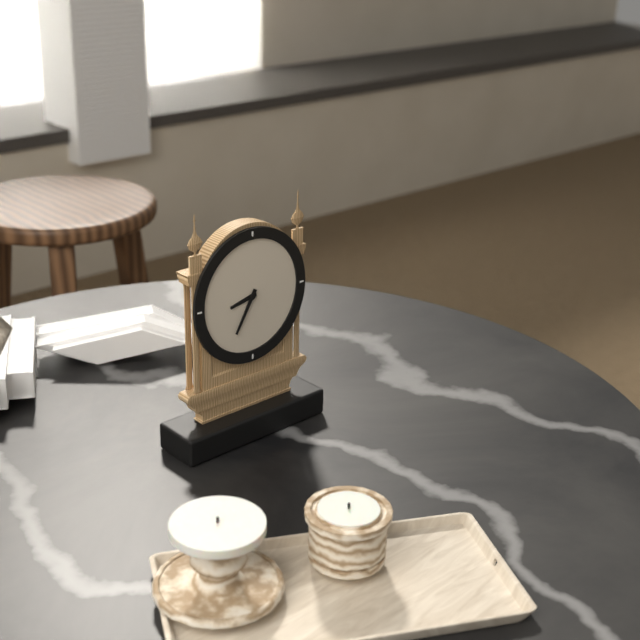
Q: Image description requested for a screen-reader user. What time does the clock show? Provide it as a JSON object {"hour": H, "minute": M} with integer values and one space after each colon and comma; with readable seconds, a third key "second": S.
{"hour": 8, "minute": 35}
